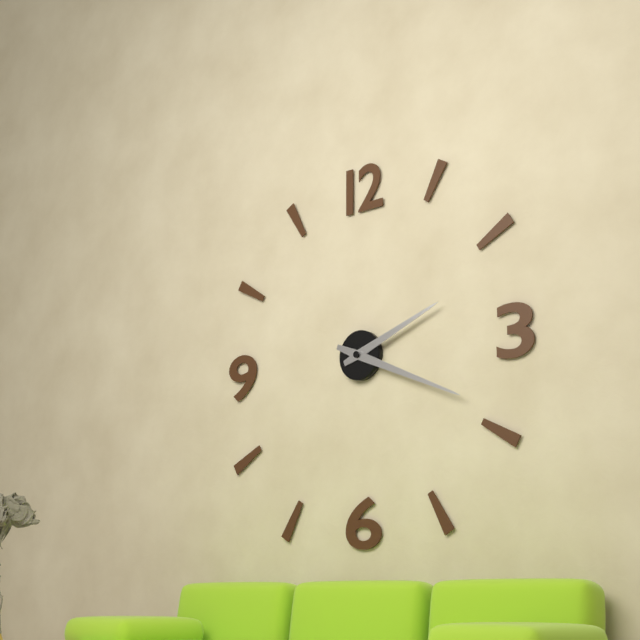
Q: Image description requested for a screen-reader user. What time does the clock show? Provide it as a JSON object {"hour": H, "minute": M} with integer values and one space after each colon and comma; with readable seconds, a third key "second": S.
{"hour": 2, "minute": 19}
